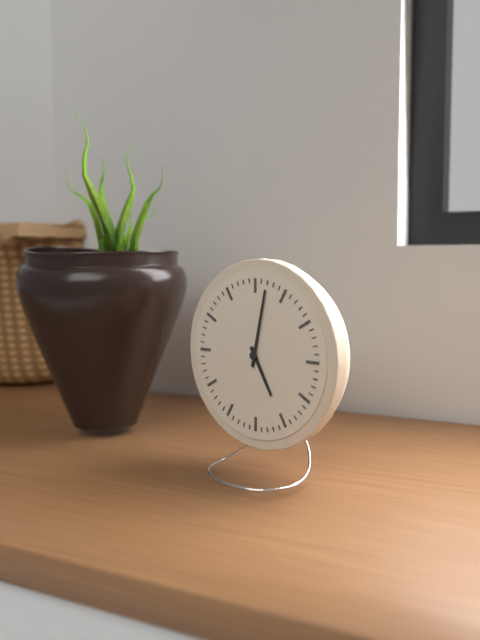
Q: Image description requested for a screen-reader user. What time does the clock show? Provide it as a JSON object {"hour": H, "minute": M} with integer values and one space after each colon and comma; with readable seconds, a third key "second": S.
{"hour": 5, "minute": 2}
